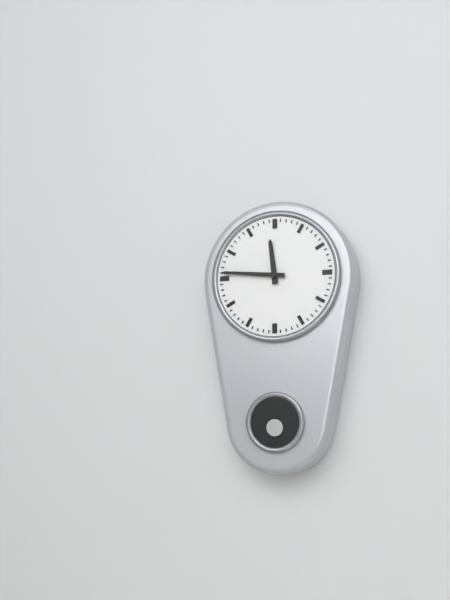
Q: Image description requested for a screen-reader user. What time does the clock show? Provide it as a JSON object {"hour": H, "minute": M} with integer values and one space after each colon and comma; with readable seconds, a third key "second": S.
{"hour": 11, "minute": 46}
